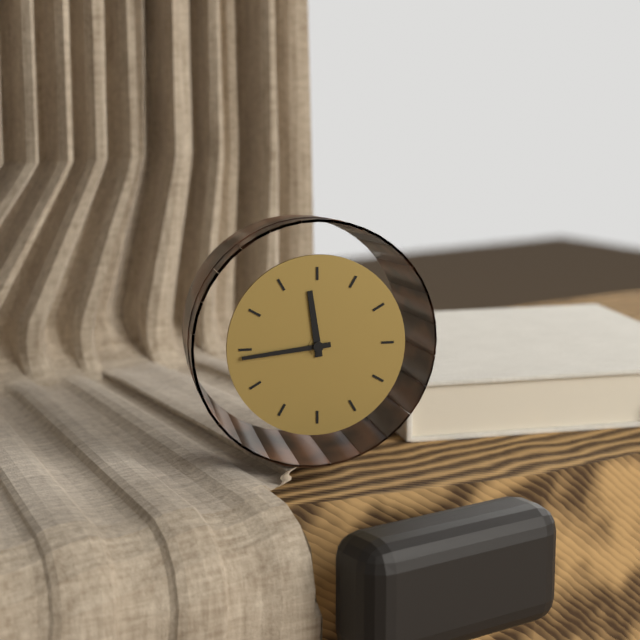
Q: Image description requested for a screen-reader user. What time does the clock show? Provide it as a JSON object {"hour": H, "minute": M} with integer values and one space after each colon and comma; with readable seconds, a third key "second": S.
{"hour": 11, "minute": 44}
